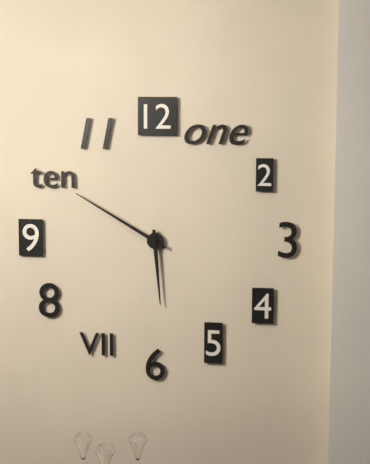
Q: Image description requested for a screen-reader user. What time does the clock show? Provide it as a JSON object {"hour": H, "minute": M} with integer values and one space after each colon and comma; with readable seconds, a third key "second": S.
{"hour": 5, "minute": 50}
